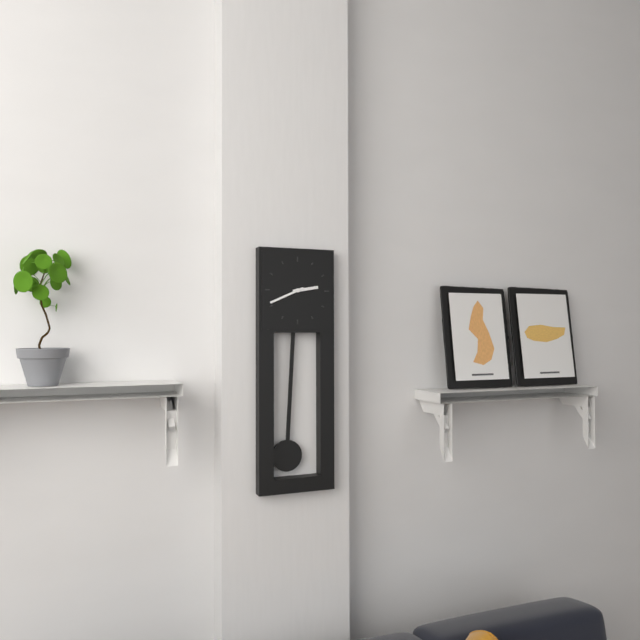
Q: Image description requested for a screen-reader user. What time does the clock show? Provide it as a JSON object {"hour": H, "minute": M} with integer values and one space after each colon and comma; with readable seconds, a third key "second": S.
{"hour": 2, "minute": 41}
